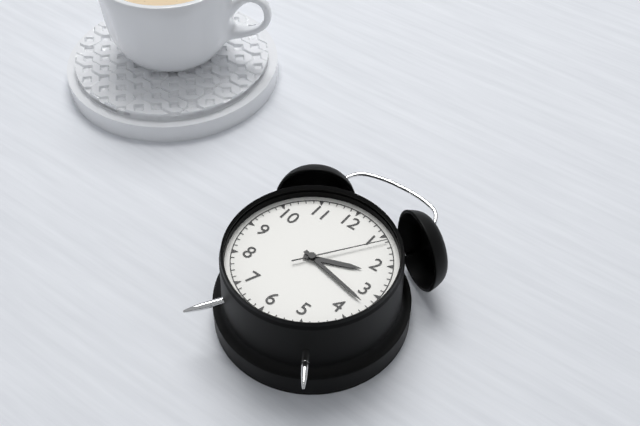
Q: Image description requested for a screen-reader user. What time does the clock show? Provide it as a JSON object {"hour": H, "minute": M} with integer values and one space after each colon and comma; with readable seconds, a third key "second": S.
{"hour": 2, "minute": 17, "second": 6}
